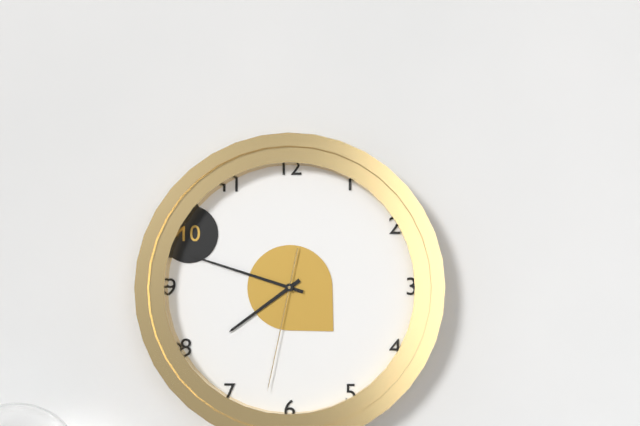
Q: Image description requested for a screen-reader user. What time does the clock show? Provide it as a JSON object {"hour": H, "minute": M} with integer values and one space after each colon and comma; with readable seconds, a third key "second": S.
{"hour": 7, "minute": 48, "second": 32}
